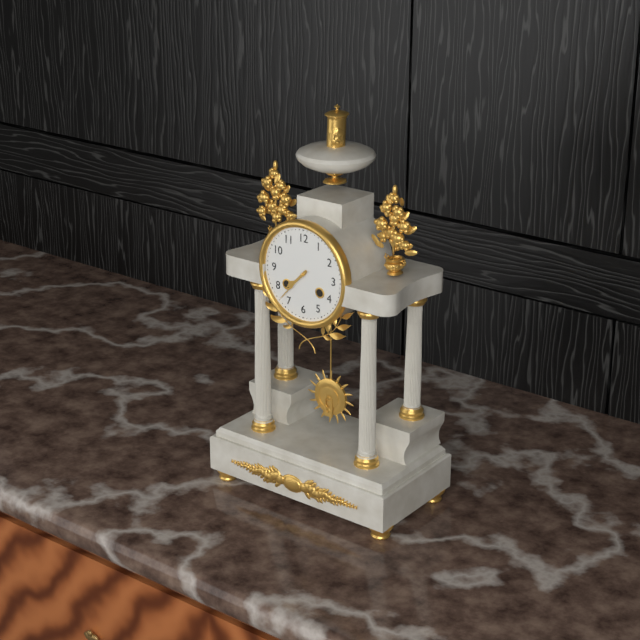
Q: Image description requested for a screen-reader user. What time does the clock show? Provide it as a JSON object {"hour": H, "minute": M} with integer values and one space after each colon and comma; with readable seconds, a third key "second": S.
{"hour": 7, "minute": 37}
